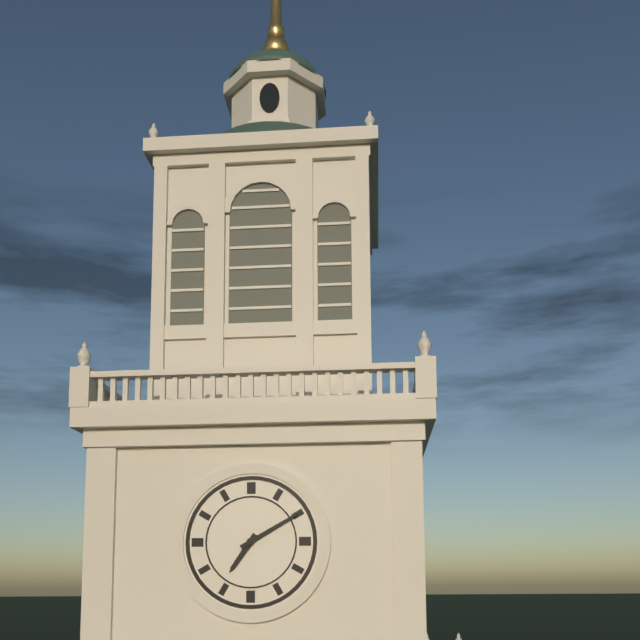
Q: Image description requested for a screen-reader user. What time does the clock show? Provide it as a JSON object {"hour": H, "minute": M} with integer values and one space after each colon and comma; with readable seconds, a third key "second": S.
{"hour": 7, "minute": 10}
